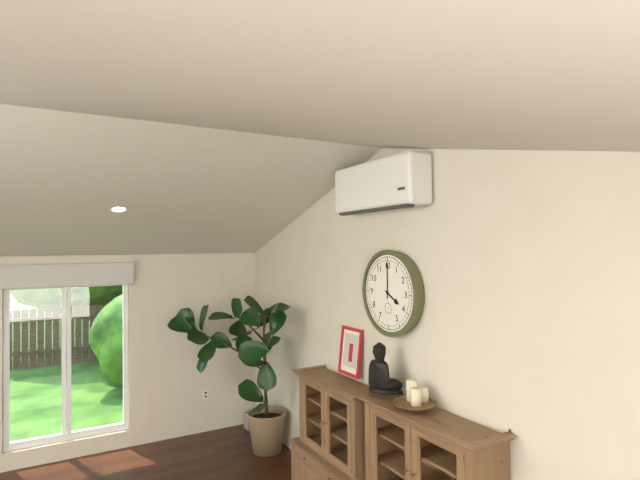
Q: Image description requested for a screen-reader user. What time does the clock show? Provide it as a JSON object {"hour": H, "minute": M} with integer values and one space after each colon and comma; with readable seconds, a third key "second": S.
{"hour": 4, "minute": 0}
